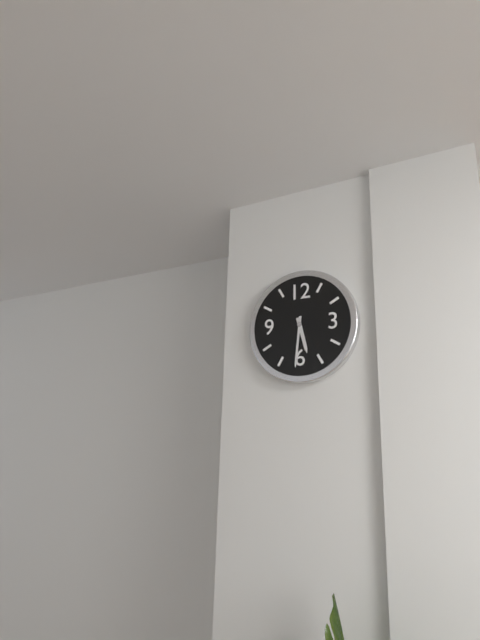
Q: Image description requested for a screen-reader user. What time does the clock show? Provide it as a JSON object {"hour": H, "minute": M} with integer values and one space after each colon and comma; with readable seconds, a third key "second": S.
{"hour": 5, "minute": 31}
